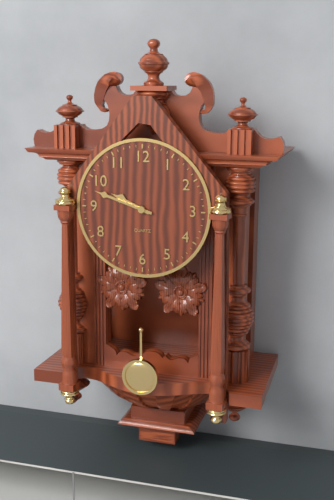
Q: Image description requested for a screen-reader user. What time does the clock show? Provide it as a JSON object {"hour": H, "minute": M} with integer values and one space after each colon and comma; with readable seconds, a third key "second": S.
{"hour": 9, "minute": 48}
